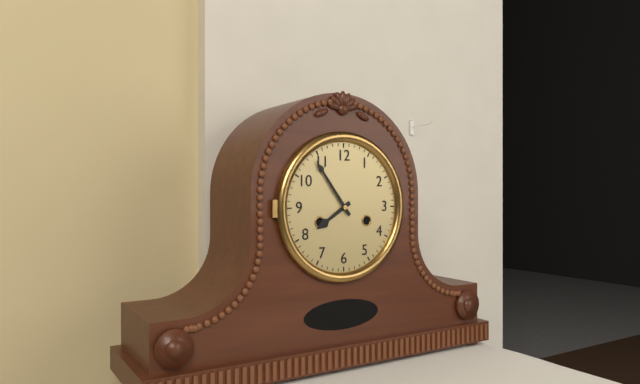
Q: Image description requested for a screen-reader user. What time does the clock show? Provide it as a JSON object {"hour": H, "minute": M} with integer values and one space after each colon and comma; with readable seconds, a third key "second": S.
{"hour": 7, "minute": 54}
